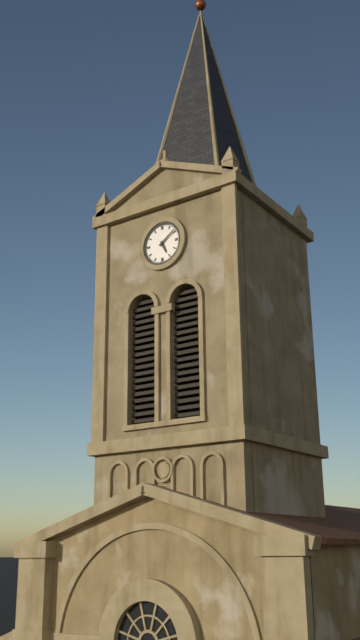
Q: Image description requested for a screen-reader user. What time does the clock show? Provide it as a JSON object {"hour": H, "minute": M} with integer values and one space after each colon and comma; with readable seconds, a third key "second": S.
{"hour": 5, "minute": 9}
